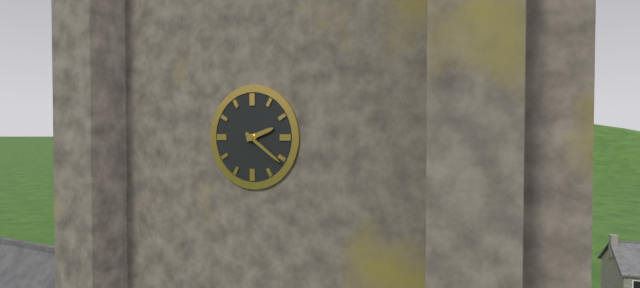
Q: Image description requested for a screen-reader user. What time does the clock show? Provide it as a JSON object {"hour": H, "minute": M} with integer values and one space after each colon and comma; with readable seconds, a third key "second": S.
{"hour": 2, "minute": 21}
